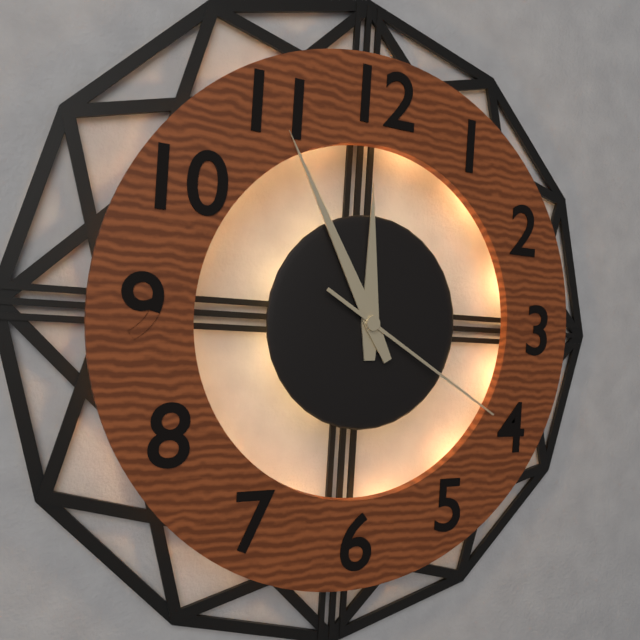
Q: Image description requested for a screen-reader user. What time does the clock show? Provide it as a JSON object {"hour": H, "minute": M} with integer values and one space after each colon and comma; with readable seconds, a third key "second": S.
{"hour": 11, "minute": 55, "second": 20}
